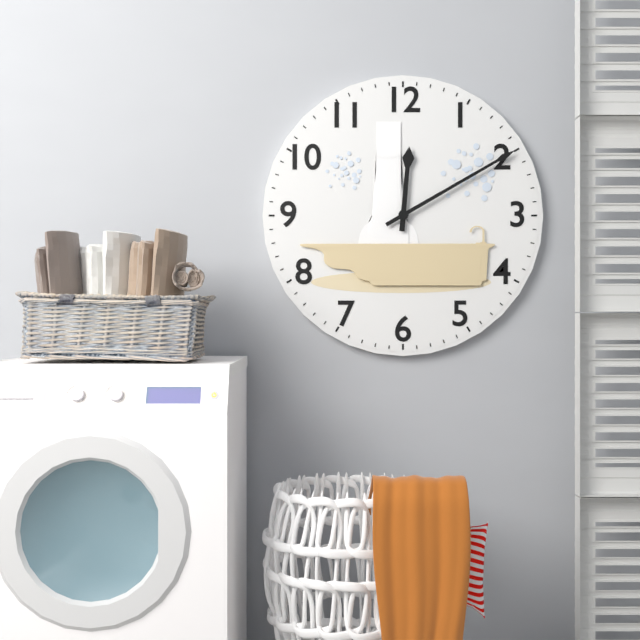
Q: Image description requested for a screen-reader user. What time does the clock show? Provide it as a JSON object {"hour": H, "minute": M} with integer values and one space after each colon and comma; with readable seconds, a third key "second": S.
{"hour": 12, "minute": 10}
